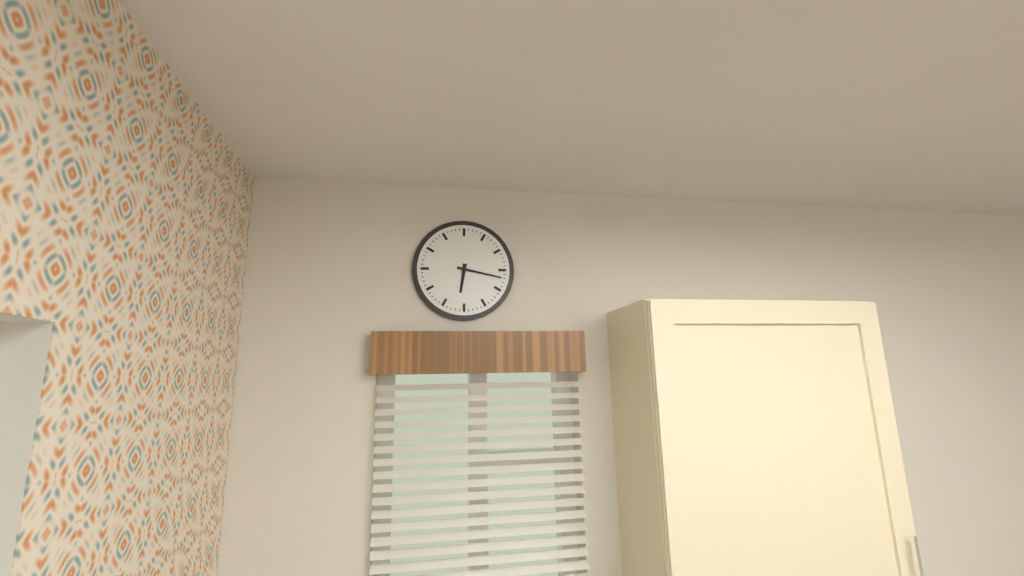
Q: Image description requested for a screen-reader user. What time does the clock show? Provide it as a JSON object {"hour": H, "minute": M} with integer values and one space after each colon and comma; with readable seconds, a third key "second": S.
{"hour": 6, "minute": 17}
